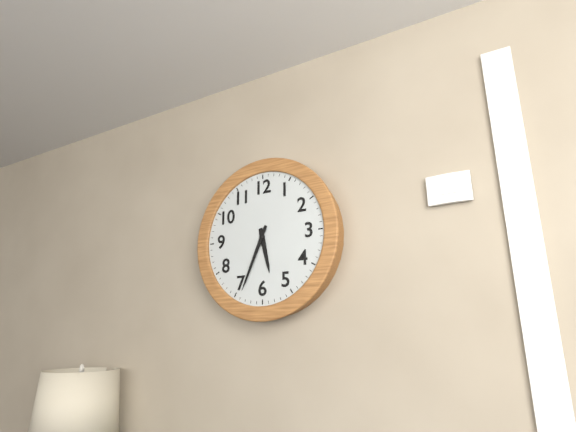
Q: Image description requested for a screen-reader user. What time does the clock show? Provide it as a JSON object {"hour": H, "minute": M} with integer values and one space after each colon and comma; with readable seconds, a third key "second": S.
{"hour": 5, "minute": 34}
